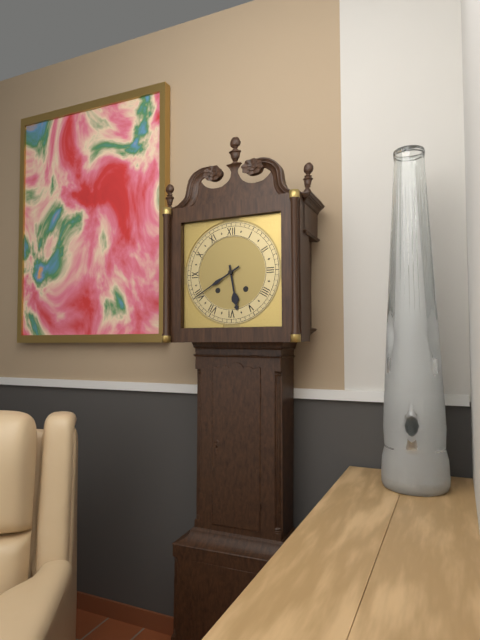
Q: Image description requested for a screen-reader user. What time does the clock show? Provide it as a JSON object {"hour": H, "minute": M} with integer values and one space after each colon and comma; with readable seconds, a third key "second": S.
{"hour": 5, "minute": 40}
